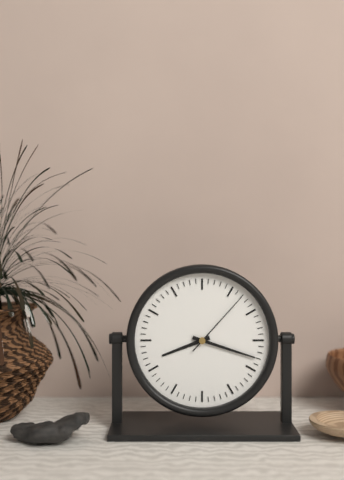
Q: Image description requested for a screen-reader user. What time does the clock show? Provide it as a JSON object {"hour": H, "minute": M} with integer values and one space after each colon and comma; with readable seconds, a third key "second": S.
{"hour": 8, "minute": 18, "second": 7}
